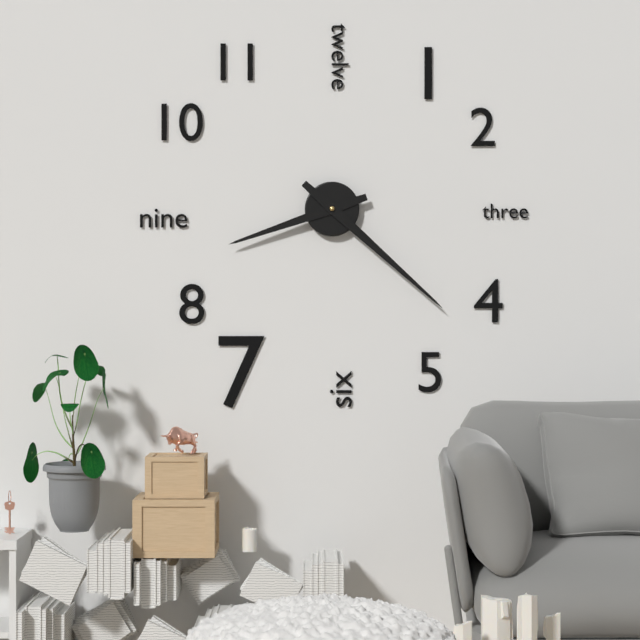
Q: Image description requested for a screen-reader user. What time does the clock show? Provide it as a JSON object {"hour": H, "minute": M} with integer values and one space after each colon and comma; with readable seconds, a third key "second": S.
{"hour": 8, "minute": 22}
